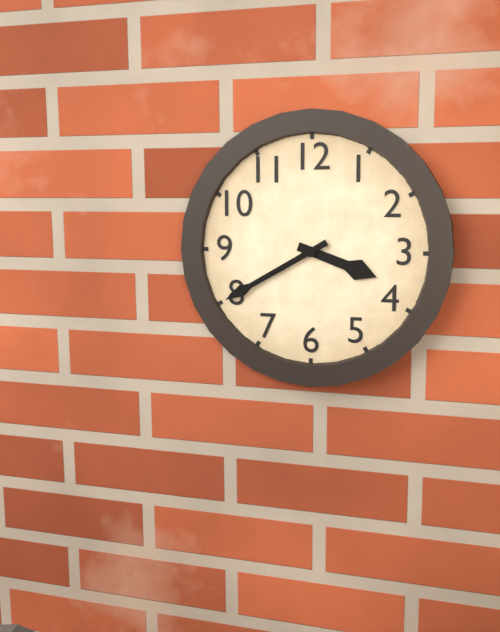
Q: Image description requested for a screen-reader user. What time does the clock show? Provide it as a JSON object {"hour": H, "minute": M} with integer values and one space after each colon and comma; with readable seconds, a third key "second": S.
{"hour": 3, "minute": 40}
